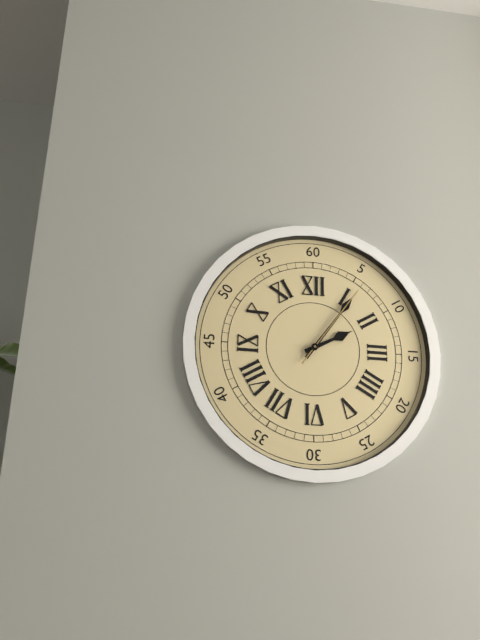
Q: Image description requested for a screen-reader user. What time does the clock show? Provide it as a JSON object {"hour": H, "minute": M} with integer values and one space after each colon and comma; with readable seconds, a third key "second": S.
{"hour": 2, "minute": 6, "second": 6}
